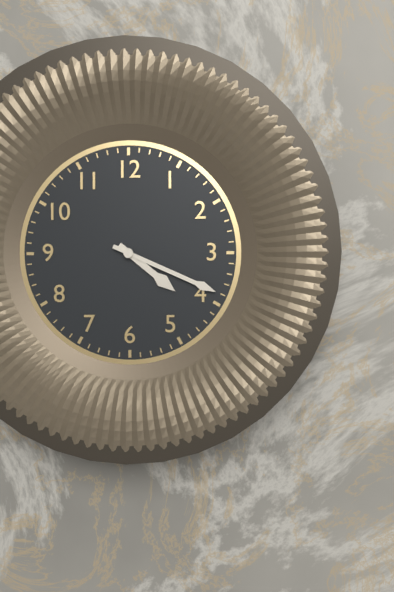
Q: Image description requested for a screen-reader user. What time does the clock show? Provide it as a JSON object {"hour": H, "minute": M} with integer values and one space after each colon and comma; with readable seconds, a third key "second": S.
{"hour": 4, "minute": 19}
